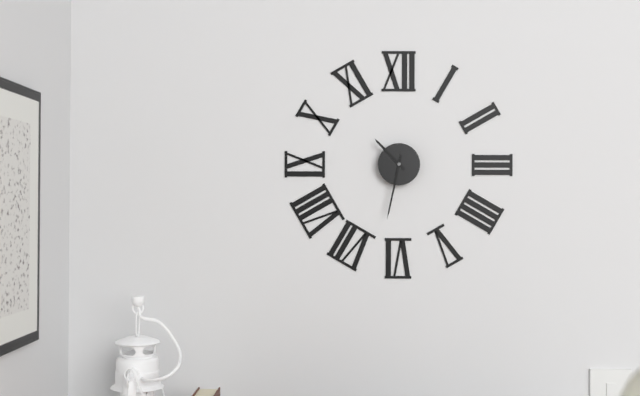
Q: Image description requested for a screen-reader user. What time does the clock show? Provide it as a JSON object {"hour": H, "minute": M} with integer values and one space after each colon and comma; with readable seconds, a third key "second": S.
{"hour": 10, "minute": 32}
